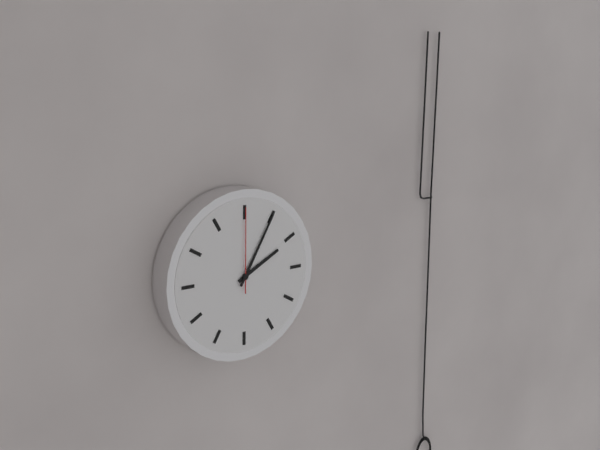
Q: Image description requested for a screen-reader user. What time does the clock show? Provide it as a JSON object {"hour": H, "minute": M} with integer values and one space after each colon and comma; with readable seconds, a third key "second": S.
{"hour": 2, "minute": 5, "second": 0}
